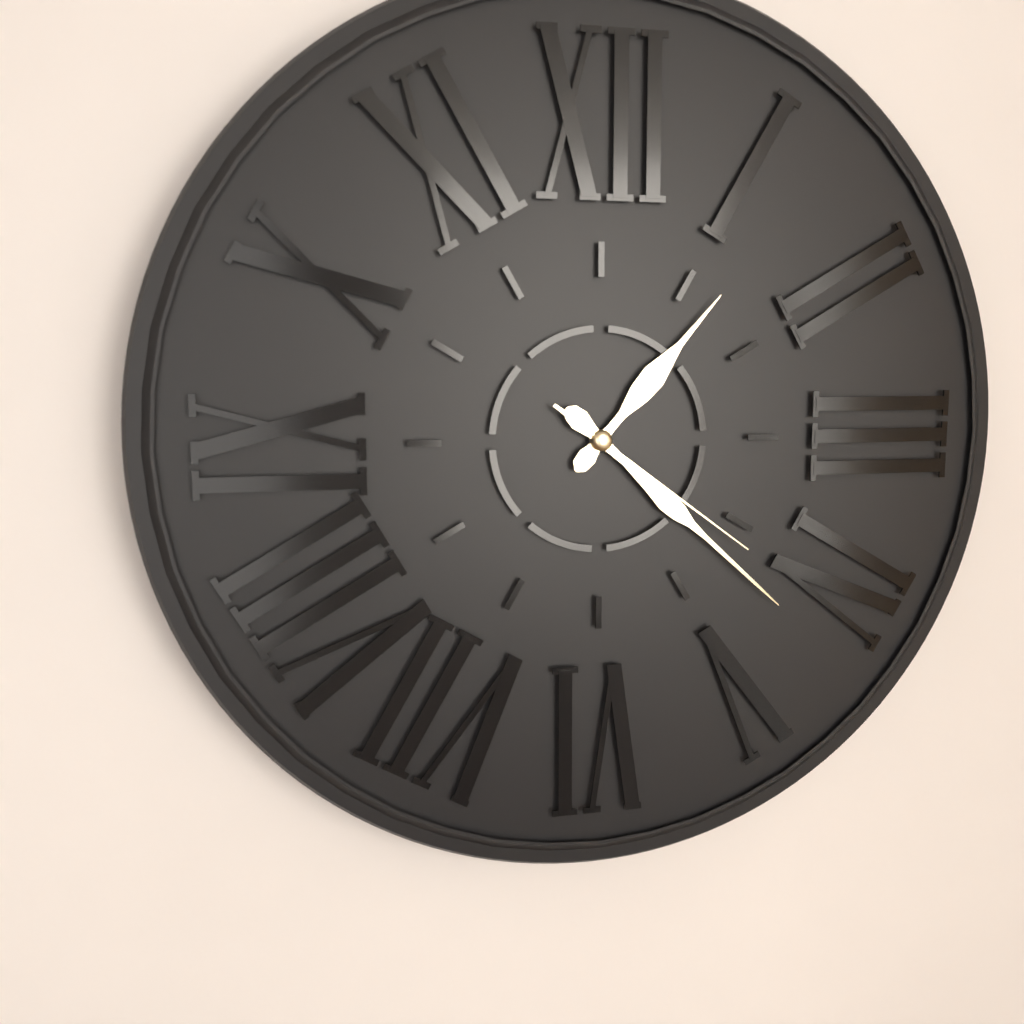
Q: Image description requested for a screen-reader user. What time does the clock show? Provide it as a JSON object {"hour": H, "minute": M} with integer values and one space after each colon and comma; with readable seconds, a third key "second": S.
{"hour": 1, "minute": 22, "second": 21}
